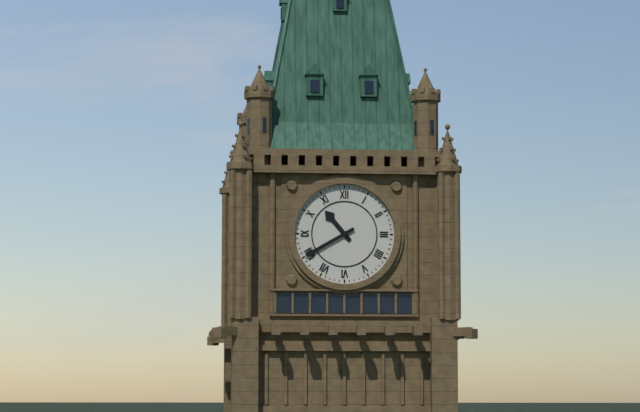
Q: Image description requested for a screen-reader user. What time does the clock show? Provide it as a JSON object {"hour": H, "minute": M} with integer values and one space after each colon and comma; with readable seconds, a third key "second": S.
{"hour": 10, "minute": 40}
